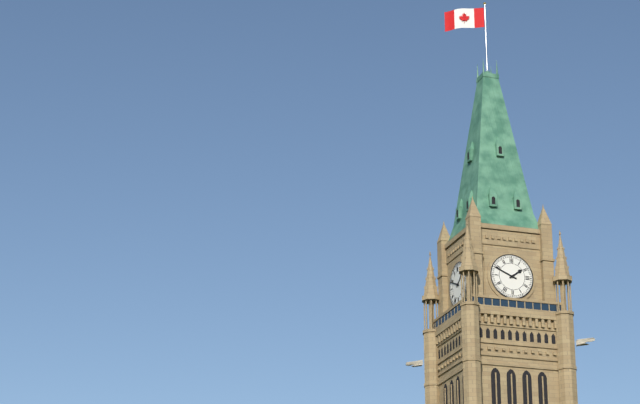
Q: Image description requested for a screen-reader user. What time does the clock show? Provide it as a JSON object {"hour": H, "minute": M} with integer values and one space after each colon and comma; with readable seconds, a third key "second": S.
{"hour": 1, "minute": 49}
